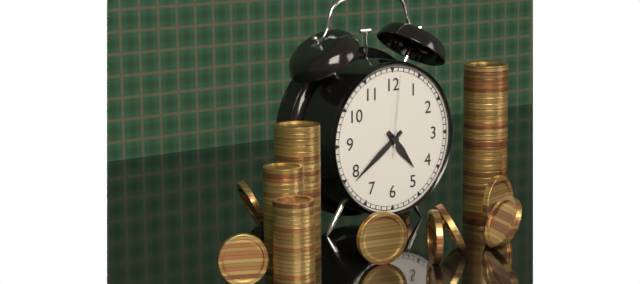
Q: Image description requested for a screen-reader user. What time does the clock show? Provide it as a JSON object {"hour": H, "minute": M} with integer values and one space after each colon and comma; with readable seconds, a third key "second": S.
{"hour": 4, "minute": 39, "second": 1}
